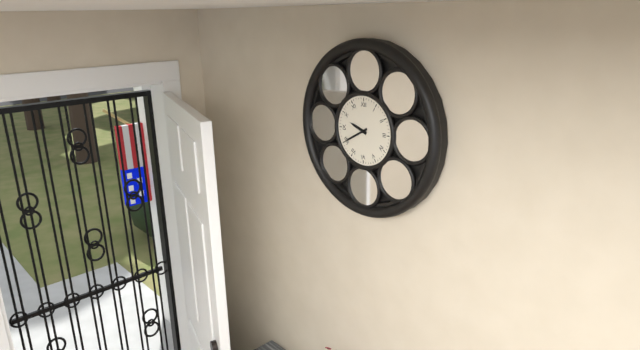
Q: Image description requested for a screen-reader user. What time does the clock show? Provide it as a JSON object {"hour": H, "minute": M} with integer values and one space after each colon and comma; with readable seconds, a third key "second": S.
{"hour": 9, "minute": 40}
